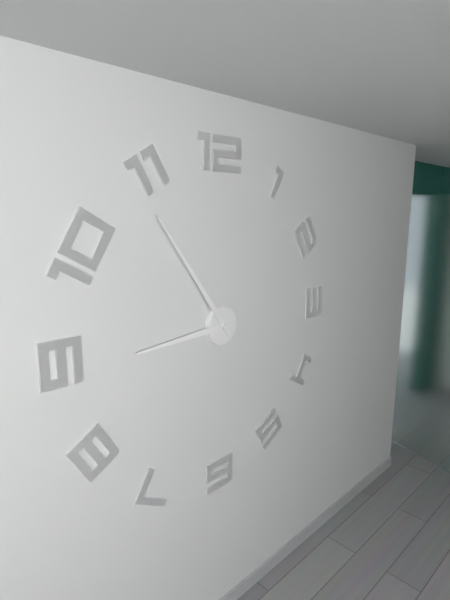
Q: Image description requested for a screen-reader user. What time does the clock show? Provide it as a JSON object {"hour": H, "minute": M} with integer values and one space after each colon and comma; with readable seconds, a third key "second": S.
{"hour": 8, "minute": 54}
